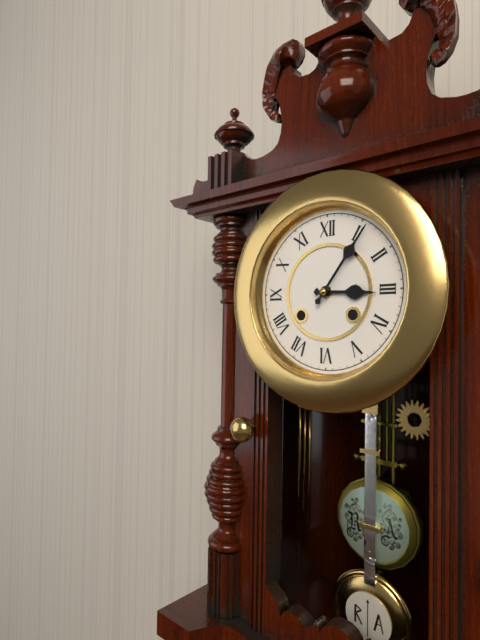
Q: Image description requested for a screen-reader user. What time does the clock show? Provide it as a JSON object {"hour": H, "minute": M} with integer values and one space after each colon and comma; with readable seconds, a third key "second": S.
{"hour": 3, "minute": 6}
